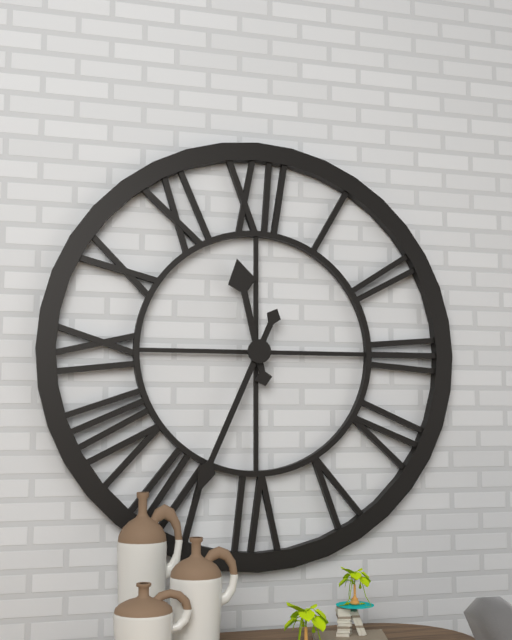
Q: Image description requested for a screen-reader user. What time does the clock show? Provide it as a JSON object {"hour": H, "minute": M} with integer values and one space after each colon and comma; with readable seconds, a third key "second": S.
{"hour": 11, "minute": 34}
